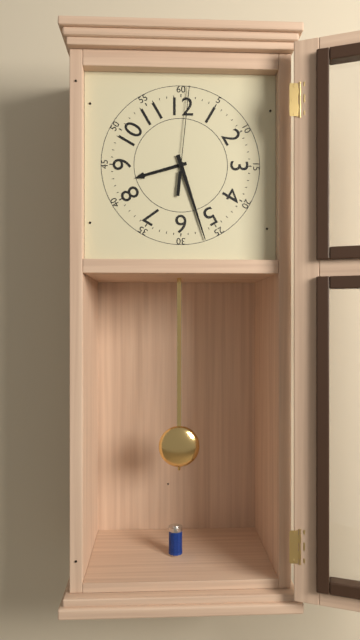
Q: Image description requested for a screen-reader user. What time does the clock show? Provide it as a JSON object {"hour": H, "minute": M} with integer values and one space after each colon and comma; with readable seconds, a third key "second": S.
{"hour": 8, "minute": 27, "second": 1}
